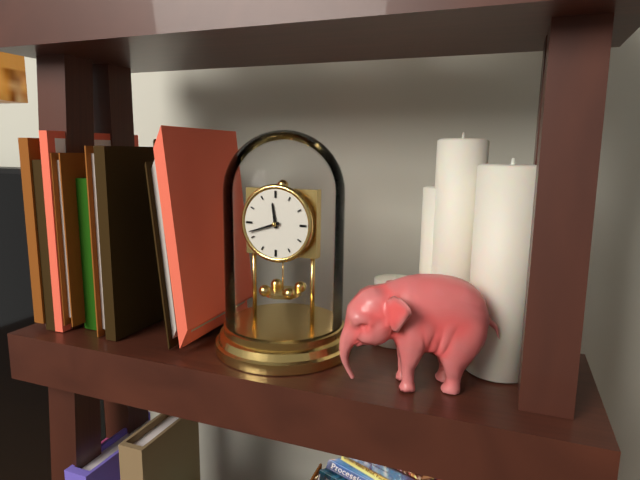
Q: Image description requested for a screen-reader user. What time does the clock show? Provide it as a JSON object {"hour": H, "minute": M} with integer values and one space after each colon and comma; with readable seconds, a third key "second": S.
{"hour": 11, "minute": 42}
